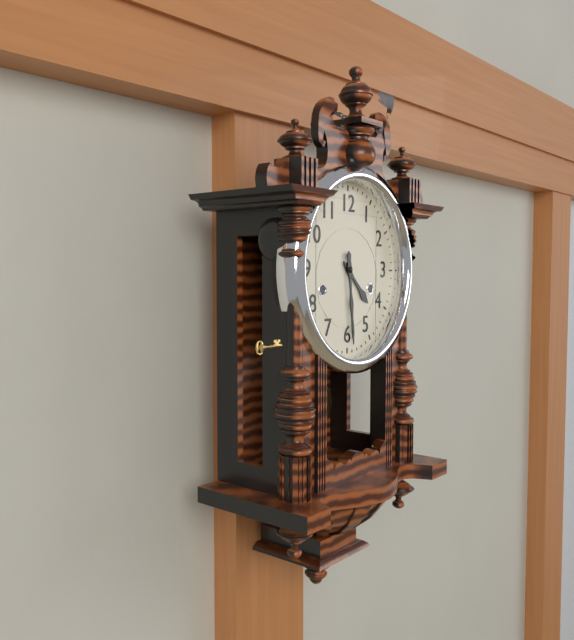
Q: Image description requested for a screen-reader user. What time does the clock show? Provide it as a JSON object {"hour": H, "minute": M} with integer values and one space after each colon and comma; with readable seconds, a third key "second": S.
{"hour": 4, "minute": 29}
